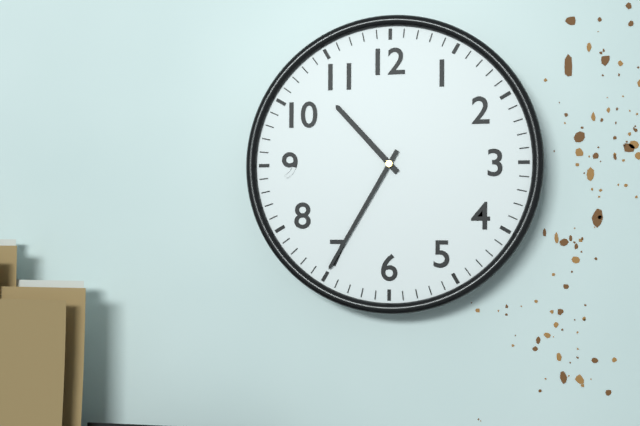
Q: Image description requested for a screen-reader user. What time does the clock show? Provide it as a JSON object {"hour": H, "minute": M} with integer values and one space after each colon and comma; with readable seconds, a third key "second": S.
{"hour": 10, "minute": 35}
